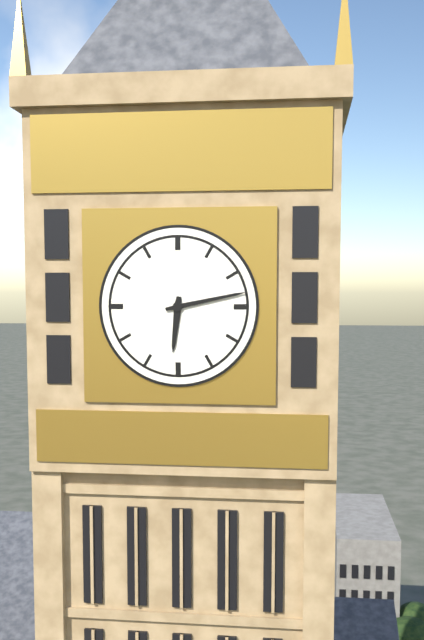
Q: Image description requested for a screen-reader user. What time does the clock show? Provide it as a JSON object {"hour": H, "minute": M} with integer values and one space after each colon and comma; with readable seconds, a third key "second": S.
{"hour": 6, "minute": 13}
